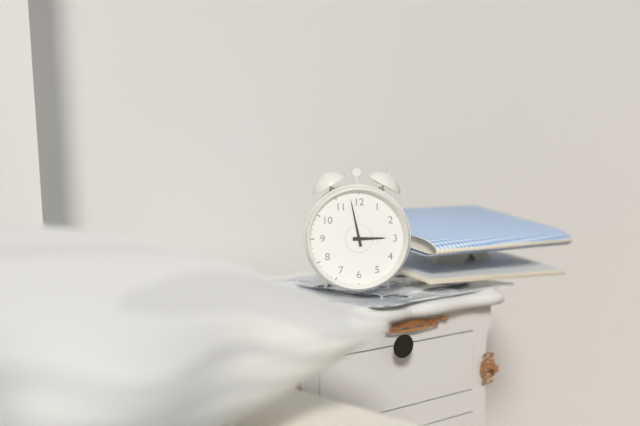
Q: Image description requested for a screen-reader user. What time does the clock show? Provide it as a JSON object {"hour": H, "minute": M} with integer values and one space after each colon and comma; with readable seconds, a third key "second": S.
{"hour": 2, "minute": 58}
